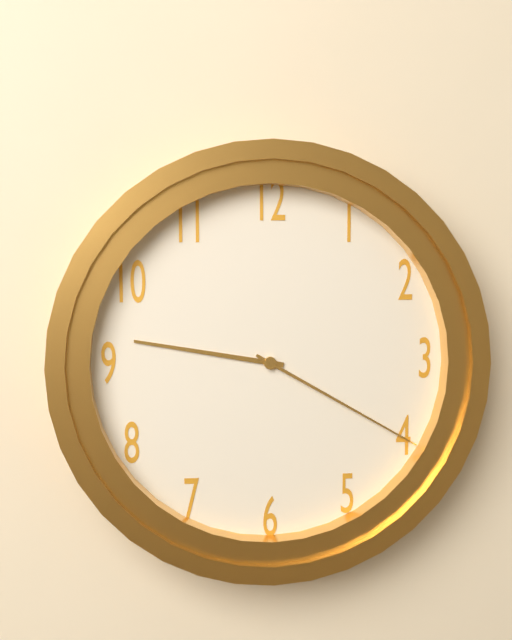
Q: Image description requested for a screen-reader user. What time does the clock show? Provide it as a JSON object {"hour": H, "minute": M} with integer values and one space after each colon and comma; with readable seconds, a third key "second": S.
{"hour": 9, "minute": 20}
